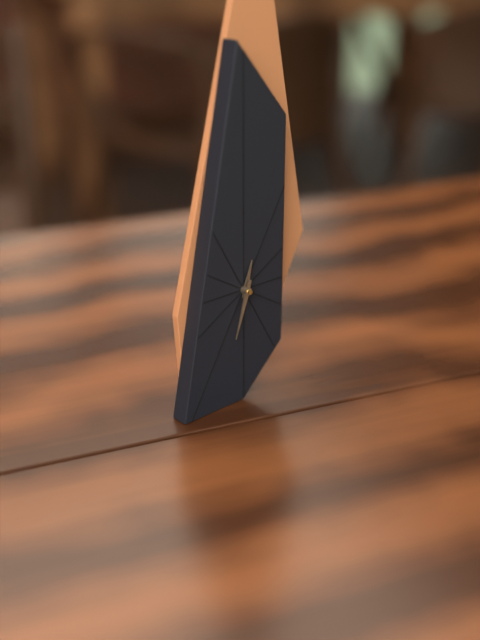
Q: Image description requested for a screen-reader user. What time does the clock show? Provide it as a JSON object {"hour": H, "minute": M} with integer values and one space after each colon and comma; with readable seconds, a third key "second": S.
{"hour": 12, "minute": 33}
